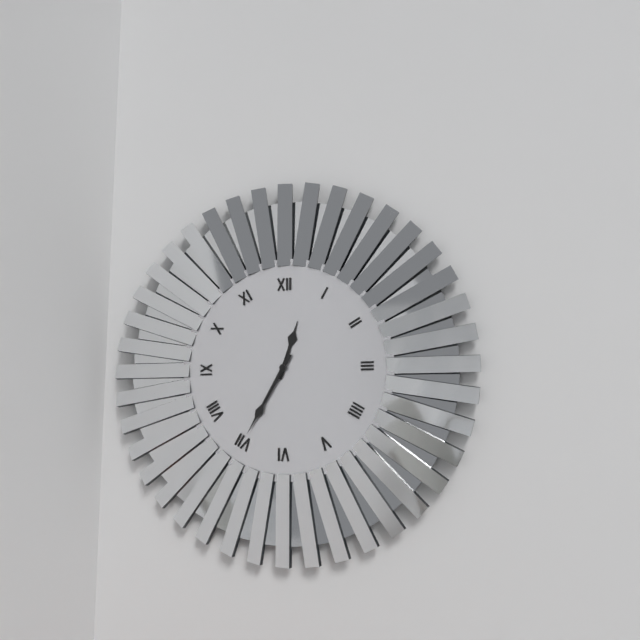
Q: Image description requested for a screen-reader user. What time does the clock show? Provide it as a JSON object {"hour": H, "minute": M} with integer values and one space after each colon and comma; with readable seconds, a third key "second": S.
{"hour": 12, "minute": 35}
